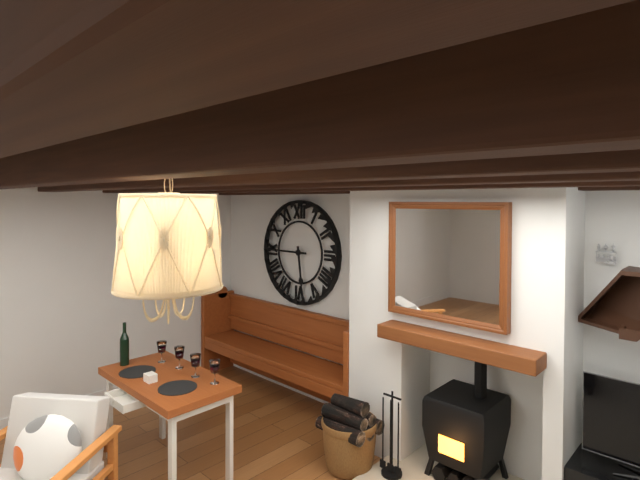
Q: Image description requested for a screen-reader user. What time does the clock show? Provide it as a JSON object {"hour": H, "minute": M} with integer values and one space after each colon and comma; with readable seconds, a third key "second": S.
{"hour": 5, "minute": 45}
